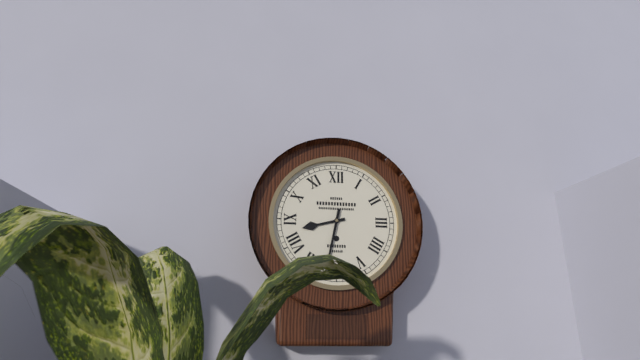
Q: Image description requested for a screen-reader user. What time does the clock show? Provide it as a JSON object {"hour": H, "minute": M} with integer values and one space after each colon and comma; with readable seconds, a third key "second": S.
{"hour": 8, "minute": 32}
